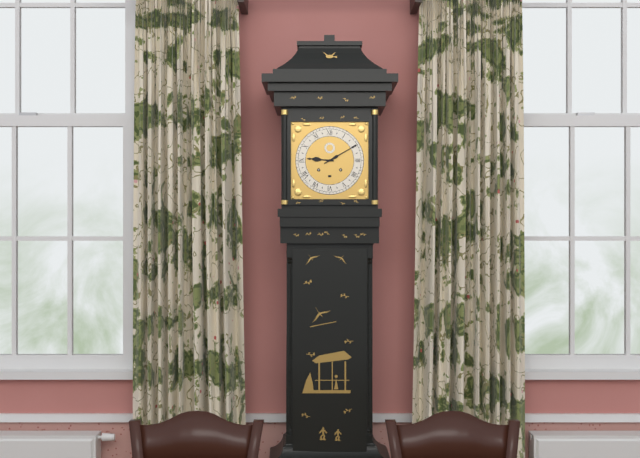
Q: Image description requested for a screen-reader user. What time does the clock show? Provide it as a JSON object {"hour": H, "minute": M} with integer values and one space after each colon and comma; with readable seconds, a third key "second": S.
{"hour": 9, "minute": 10}
